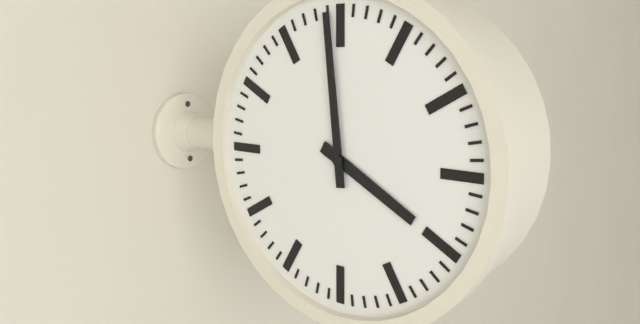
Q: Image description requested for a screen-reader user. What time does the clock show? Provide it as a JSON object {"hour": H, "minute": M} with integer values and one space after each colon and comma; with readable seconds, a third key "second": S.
{"hour": 3, "minute": 59}
